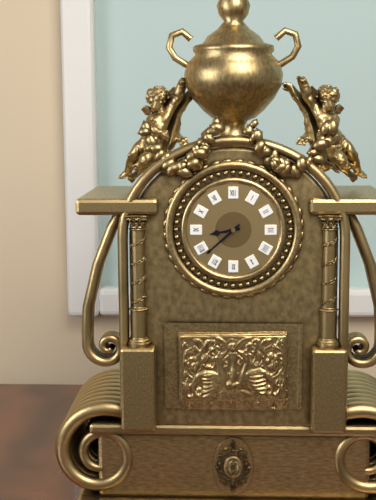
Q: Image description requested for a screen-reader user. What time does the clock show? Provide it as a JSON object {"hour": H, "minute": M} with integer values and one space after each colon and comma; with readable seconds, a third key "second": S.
{"hour": 8, "minute": 38}
